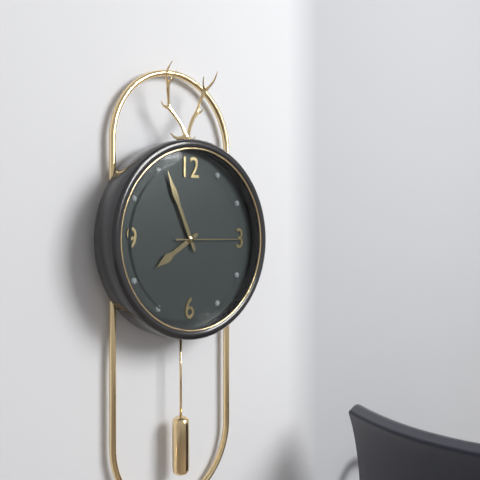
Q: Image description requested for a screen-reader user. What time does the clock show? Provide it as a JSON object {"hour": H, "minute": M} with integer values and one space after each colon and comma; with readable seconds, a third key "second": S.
{"hour": 7, "minute": 56, "second": 15}
